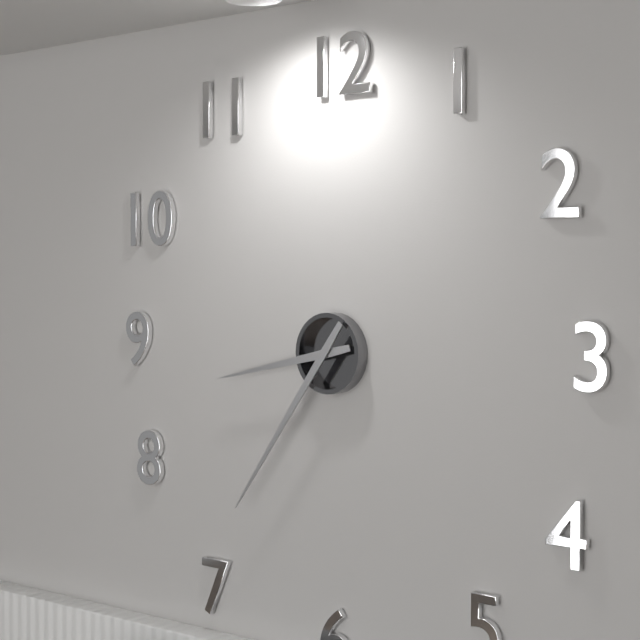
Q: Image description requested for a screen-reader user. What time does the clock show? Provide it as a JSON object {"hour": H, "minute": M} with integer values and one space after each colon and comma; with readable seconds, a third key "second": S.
{"hour": 8, "minute": 36}
